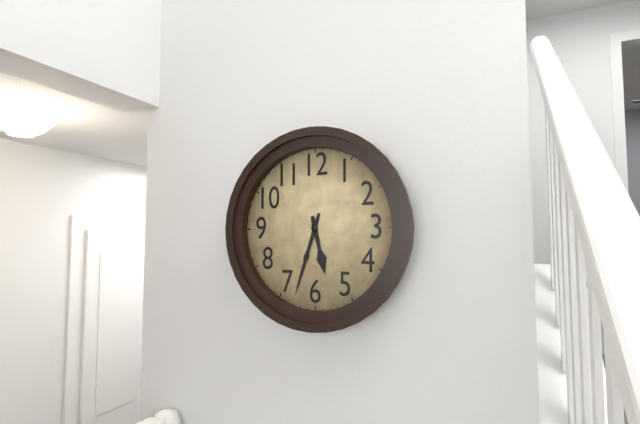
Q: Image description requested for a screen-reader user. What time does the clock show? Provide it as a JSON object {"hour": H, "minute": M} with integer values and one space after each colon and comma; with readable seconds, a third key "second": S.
{"hour": 5, "minute": 33}
